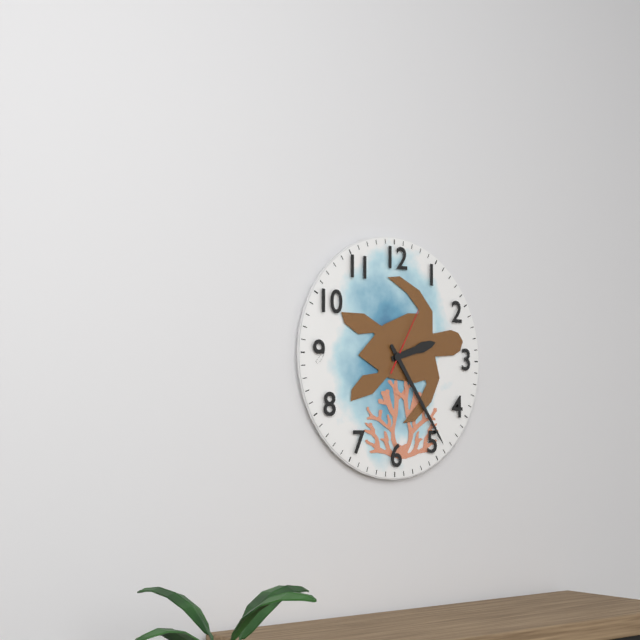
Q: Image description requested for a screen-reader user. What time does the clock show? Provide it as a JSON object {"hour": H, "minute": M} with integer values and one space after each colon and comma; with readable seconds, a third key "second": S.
{"hour": 2, "minute": 24, "second": 5}
